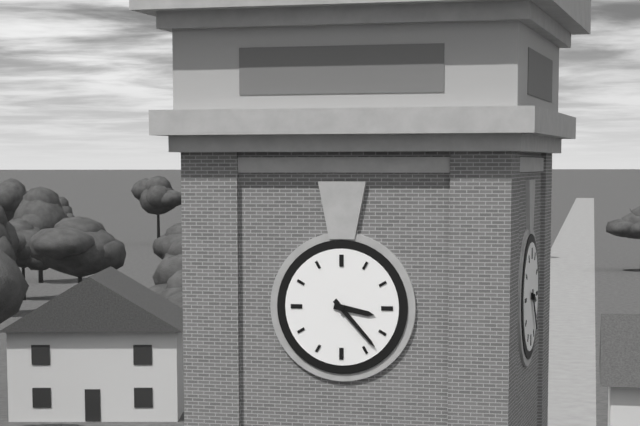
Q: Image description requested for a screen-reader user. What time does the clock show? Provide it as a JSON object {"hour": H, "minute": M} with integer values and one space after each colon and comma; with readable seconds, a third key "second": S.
{"hour": 3, "minute": 23}
